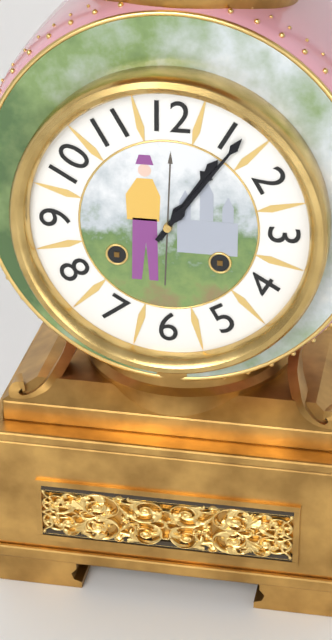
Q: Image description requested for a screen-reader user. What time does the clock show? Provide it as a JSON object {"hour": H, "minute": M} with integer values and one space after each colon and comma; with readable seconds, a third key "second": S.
{"hour": 1, "minute": 6}
